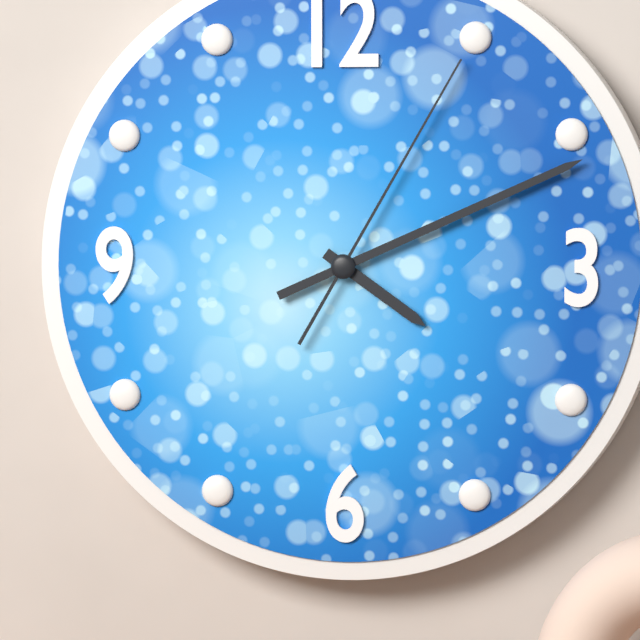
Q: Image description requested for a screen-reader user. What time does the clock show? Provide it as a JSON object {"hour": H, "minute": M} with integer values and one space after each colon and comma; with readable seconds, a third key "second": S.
{"hour": 4, "minute": 11, "second": 5}
